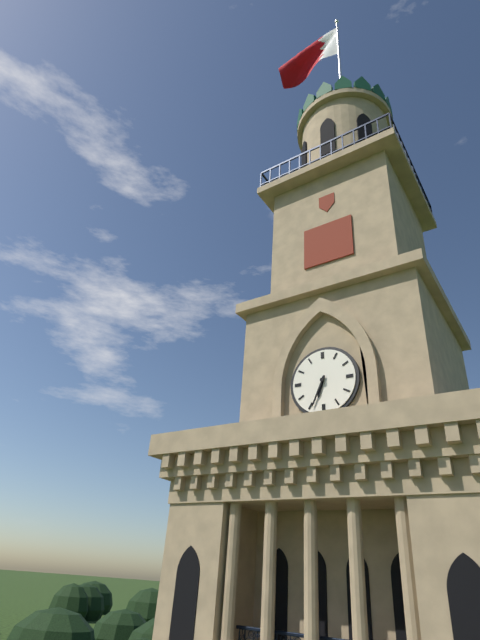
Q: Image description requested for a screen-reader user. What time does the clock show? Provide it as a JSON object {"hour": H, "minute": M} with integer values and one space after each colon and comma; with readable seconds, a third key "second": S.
{"hour": 6, "minute": 34}
